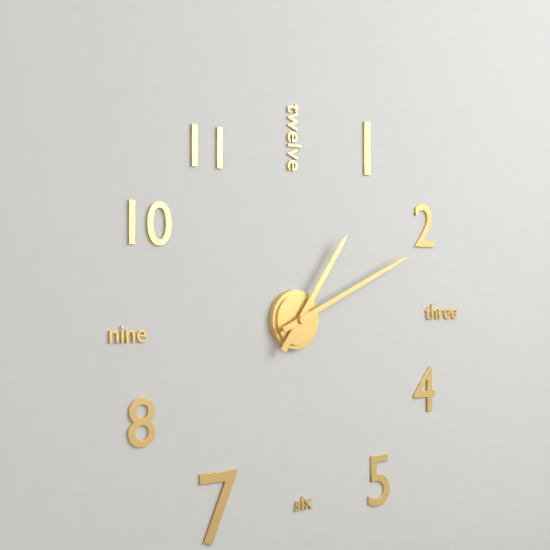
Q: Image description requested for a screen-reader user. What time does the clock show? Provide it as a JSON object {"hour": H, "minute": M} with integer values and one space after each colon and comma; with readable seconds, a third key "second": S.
{"hour": 1, "minute": 11}
